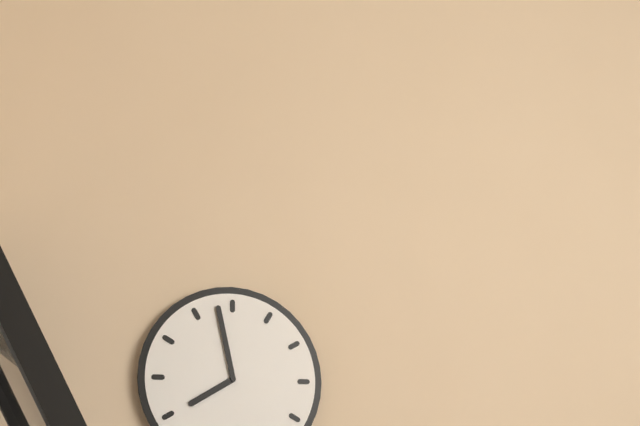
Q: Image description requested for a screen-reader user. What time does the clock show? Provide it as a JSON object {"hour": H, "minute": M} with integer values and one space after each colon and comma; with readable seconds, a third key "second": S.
{"hour": 7, "minute": 58}
